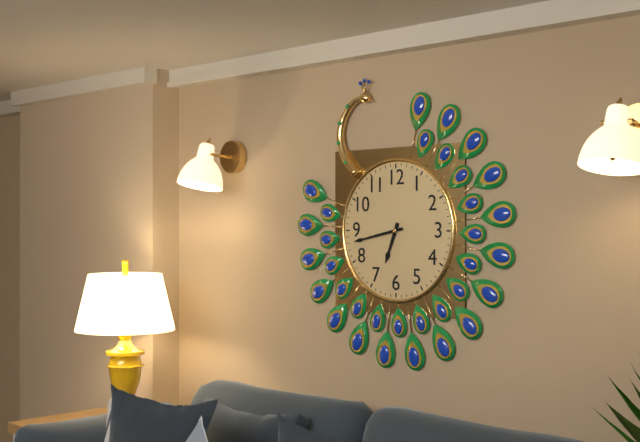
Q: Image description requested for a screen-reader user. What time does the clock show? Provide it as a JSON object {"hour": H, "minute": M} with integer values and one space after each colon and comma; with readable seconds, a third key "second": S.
{"hour": 6, "minute": 43}
